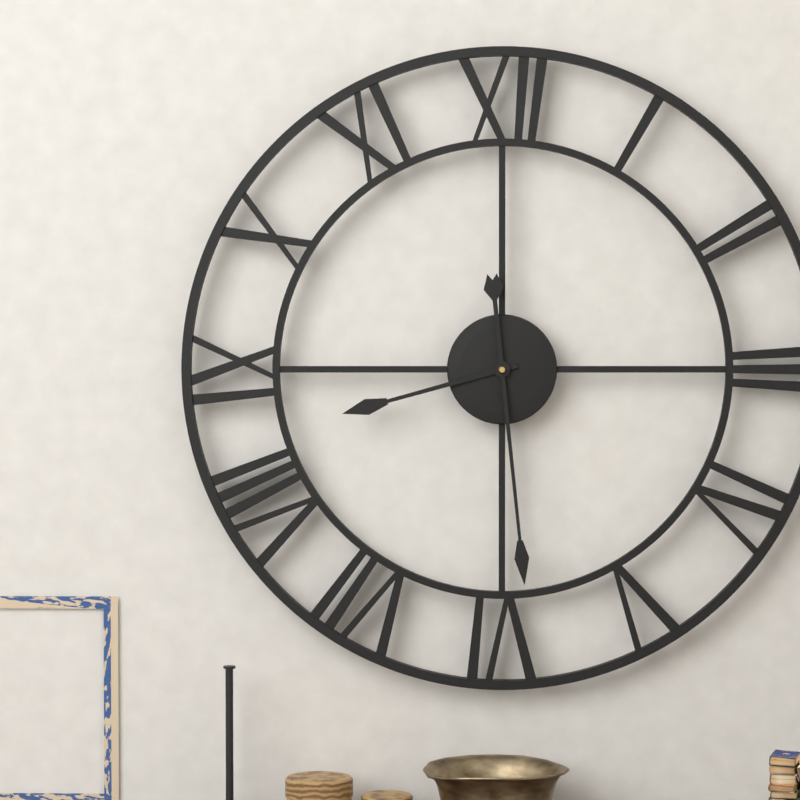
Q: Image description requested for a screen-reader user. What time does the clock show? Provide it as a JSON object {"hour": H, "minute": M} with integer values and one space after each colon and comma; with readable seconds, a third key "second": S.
{"hour": 8, "minute": 29}
